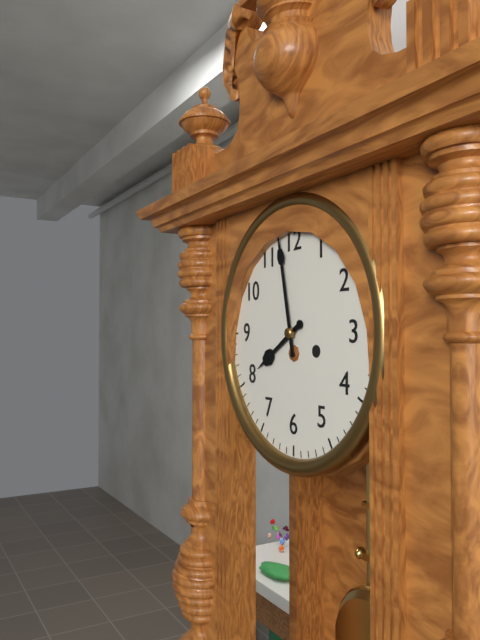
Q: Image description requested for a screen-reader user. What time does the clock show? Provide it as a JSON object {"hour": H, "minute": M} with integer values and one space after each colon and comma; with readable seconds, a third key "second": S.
{"hour": 7, "minute": 58}
